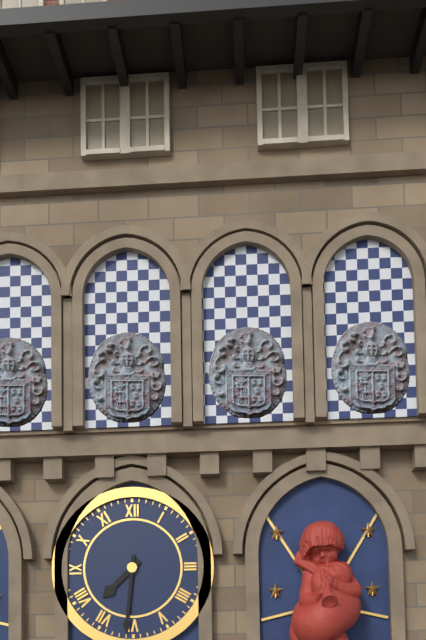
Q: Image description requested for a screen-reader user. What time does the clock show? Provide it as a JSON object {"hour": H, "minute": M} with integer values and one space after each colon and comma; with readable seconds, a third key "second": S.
{"hour": 7, "minute": 31}
